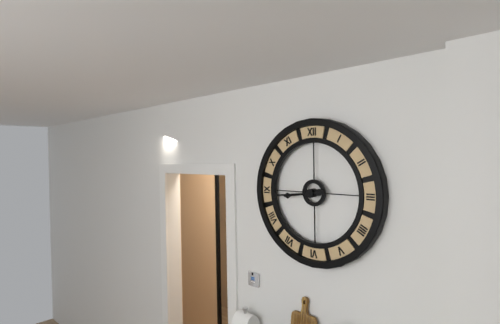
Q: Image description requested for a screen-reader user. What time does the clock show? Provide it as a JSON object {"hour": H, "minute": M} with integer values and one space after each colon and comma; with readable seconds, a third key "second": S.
{"hour": 8, "minute": 44}
